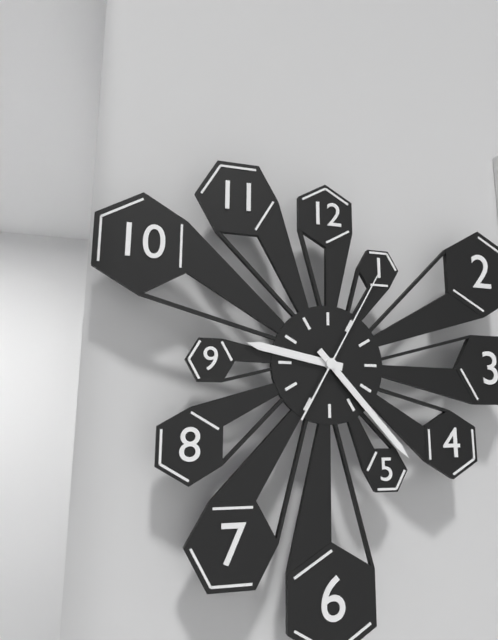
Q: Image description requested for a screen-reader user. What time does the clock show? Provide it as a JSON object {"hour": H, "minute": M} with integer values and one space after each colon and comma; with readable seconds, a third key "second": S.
{"hour": 9, "minute": 23, "second": 5}
